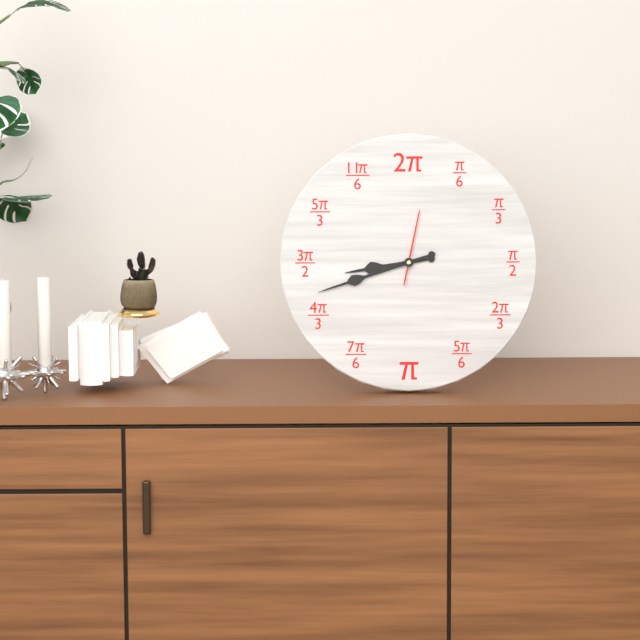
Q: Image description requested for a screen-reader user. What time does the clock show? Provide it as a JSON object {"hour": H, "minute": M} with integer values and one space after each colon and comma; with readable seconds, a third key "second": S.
{"hour": 8, "minute": 42, "second": 2}
